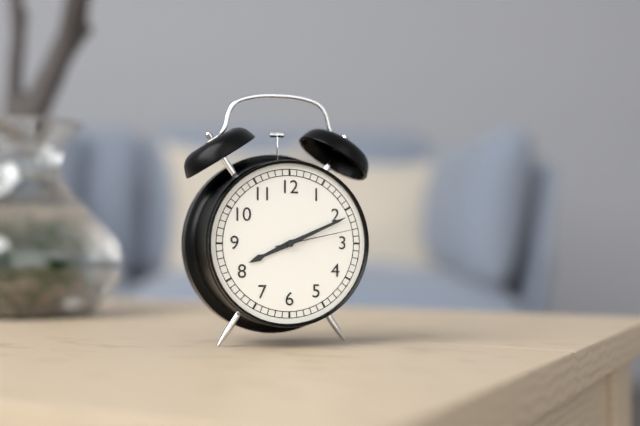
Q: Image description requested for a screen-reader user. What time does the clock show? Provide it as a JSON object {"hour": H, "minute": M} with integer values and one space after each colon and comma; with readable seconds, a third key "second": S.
{"hour": 8, "minute": 11, "second": 13}
